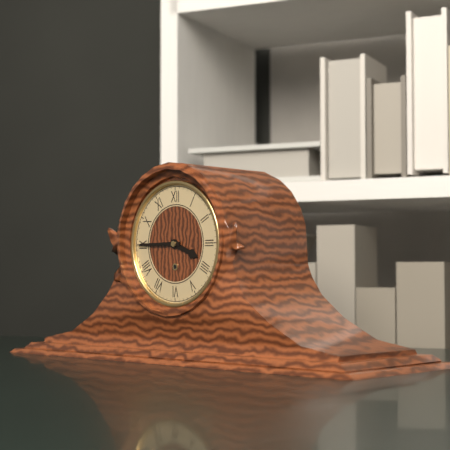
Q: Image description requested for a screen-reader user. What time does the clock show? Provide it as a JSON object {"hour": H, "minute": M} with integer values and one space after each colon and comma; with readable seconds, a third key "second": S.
{"hour": 3, "minute": 45}
